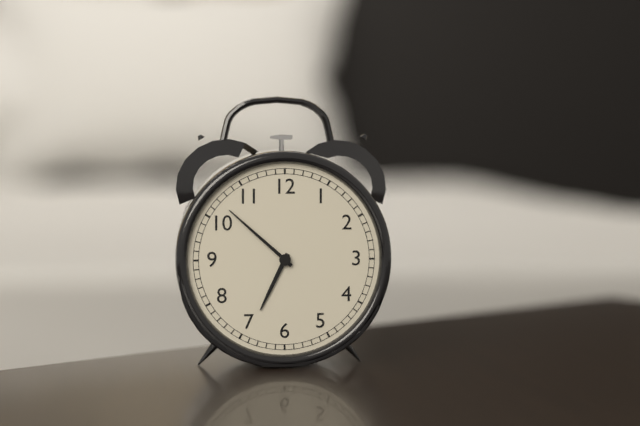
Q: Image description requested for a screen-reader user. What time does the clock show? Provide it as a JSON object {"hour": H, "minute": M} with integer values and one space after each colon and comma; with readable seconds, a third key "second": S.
{"hour": 6, "minute": 52}
